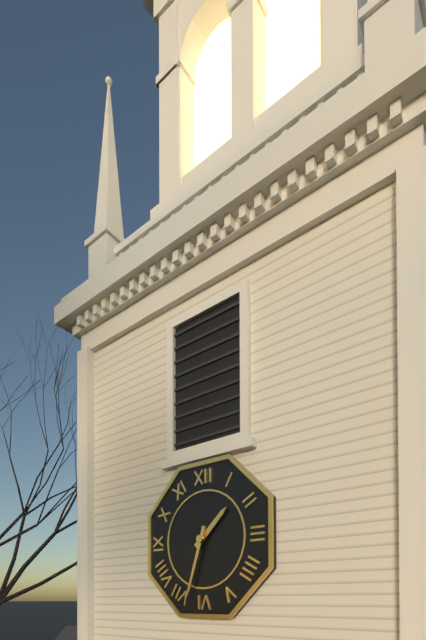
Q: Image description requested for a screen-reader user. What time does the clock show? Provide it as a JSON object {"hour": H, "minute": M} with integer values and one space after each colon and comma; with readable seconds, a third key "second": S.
{"hour": 1, "minute": 33}
